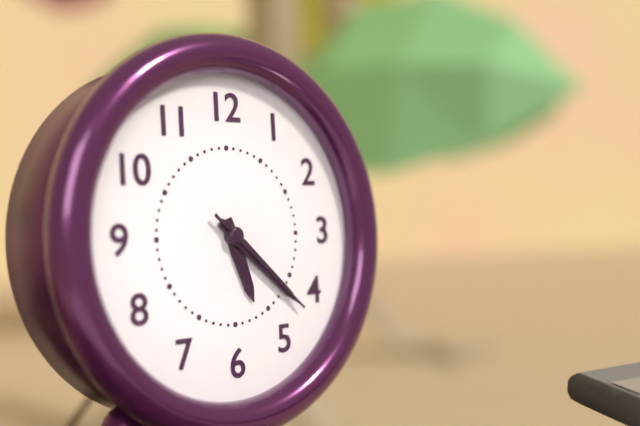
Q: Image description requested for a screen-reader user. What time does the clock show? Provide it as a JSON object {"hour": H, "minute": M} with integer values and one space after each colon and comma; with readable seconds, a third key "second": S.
{"hour": 5, "minute": 22, "second": 22}
